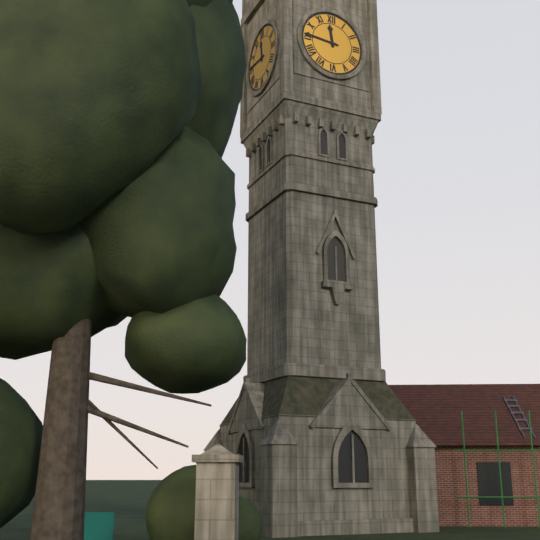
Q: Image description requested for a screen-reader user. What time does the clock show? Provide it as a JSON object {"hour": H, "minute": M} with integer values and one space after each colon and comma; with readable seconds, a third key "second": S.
{"hour": 11, "minute": 46}
